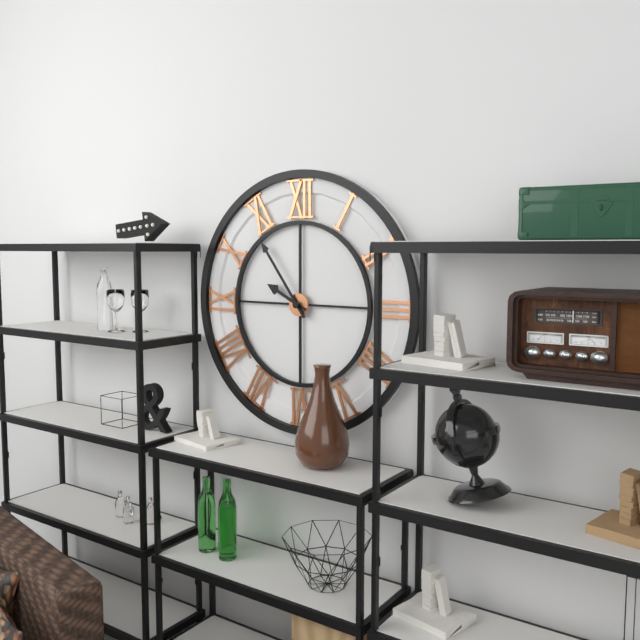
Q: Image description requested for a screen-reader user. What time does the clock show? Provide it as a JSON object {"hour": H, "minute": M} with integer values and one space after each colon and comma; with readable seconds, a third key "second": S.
{"hour": 9, "minute": 54}
